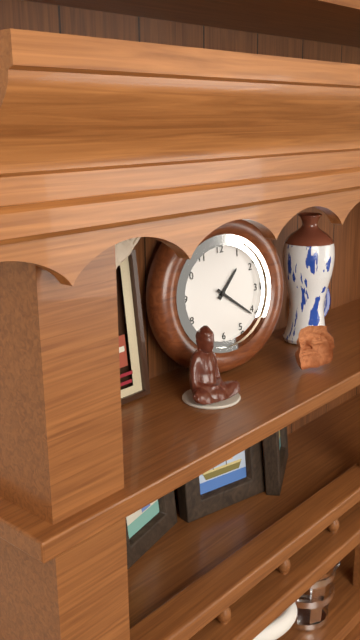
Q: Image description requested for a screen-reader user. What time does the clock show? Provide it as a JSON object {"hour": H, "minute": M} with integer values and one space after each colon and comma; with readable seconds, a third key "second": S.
{"hour": 1, "minute": 21}
